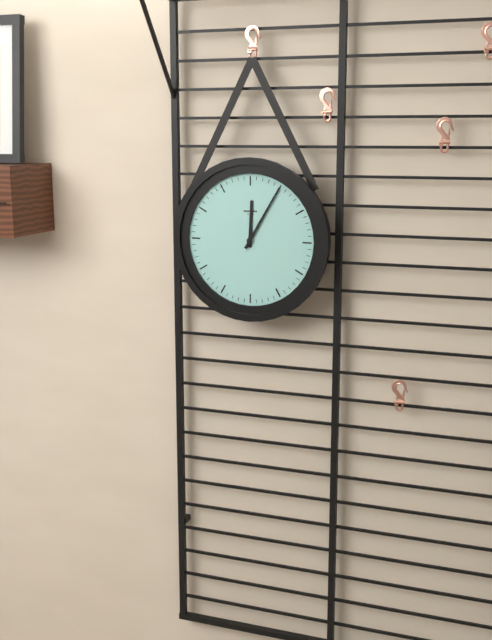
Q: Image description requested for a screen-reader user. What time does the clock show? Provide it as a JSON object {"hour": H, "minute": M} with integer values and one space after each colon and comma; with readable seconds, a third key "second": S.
{"hour": 12, "minute": 5}
